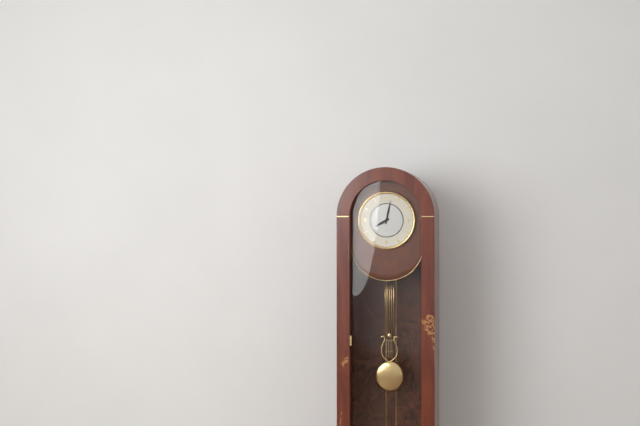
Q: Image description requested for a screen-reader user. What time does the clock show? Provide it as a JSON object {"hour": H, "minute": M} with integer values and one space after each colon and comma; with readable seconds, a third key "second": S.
{"hour": 8, "minute": 2}
